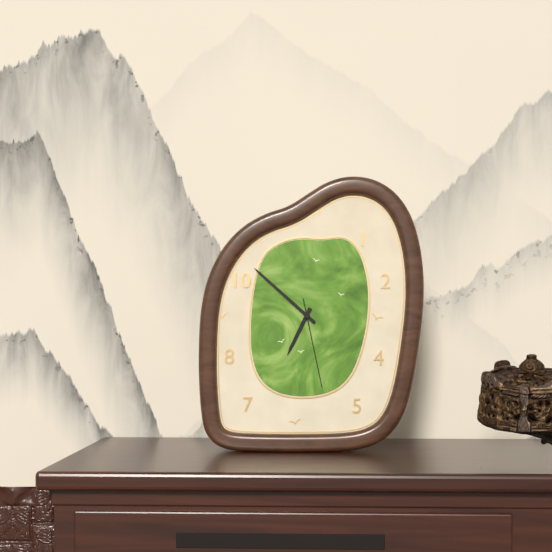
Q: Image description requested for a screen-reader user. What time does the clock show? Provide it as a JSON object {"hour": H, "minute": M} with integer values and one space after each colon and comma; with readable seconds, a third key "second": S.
{"hour": 6, "minute": 52, "second": 28}
